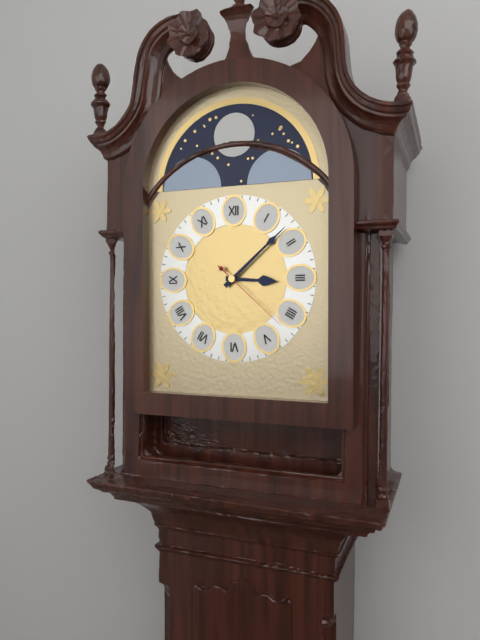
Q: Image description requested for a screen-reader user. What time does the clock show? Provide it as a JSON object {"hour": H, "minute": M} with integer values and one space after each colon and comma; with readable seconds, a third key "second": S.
{"hour": 3, "minute": 8, "second": 22}
